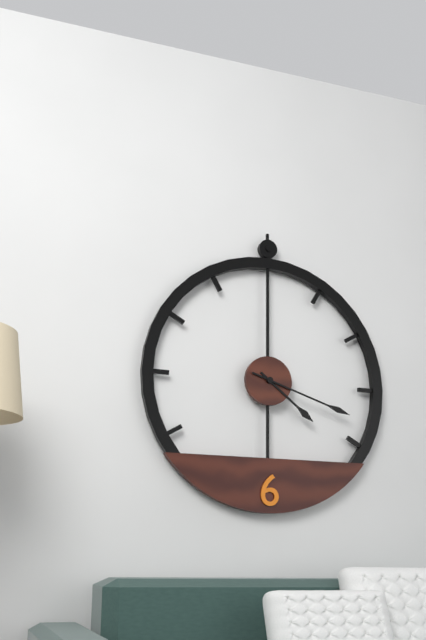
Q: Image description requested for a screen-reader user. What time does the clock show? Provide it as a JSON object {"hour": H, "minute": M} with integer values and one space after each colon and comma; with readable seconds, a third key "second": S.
{"hour": 4, "minute": 18}
